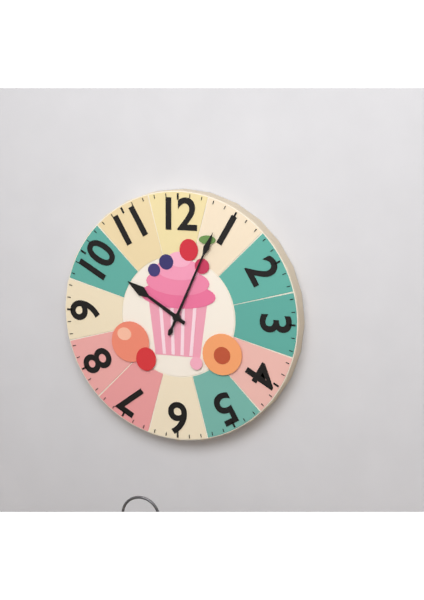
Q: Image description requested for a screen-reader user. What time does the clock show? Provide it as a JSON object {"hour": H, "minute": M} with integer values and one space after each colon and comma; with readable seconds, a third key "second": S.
{"hour": 10, "minute": 4}
